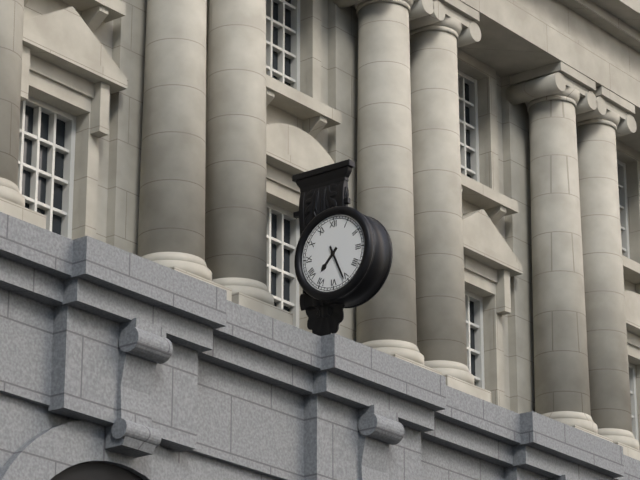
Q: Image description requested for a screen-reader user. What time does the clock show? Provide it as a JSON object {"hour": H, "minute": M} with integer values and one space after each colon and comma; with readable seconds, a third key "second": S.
{"hour": 7, "minute": 26}
